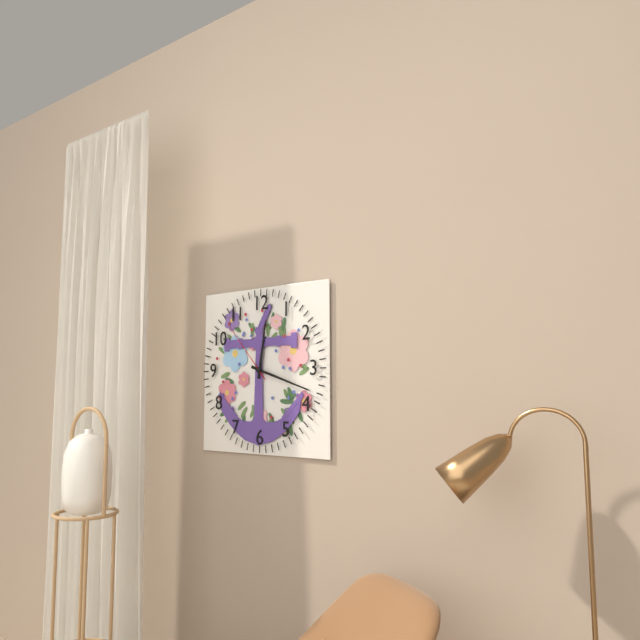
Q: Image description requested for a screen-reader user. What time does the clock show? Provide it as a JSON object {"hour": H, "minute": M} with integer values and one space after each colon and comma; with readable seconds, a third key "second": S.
{"hour": 12, "minute": 18, "second": 53}
